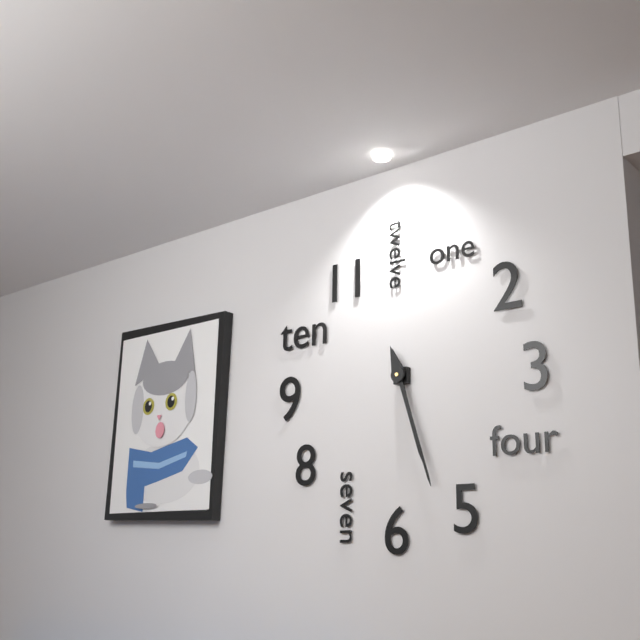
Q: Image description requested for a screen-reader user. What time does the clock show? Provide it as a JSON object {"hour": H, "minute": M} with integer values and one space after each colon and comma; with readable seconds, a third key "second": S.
{"hour": 5, "minute": 27}
